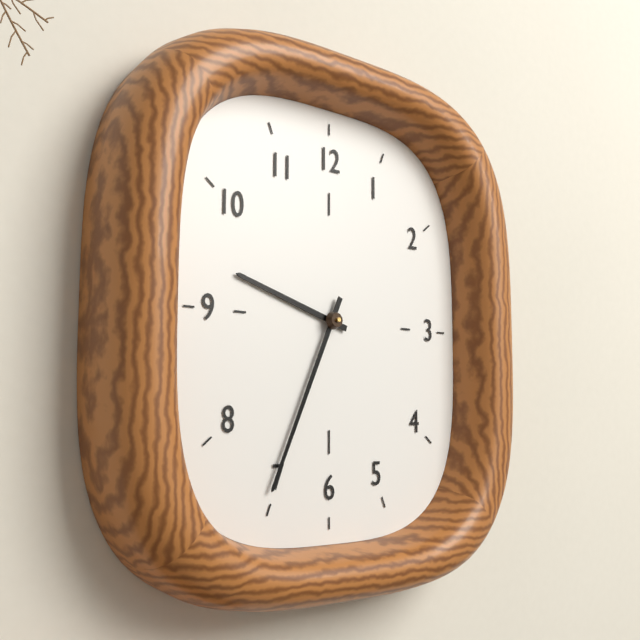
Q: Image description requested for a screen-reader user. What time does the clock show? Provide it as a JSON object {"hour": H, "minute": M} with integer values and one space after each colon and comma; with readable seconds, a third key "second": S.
{"hour": 9, "minute": 34}
